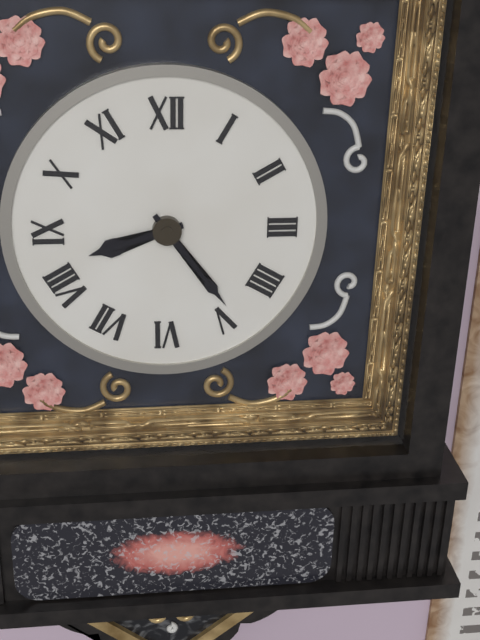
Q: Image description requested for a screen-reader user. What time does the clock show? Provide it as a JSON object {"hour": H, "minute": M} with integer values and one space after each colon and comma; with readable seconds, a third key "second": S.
{"hour": 8, "minute": 24}
